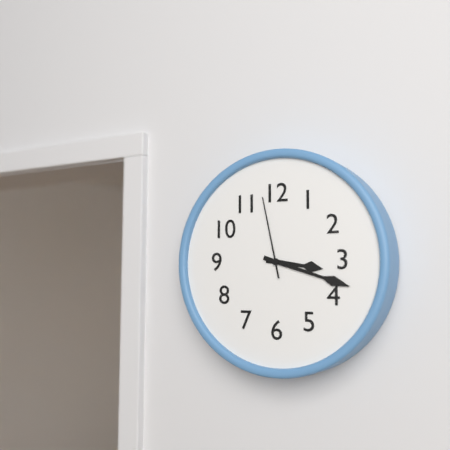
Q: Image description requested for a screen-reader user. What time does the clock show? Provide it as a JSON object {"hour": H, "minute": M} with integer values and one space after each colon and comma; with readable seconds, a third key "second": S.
{"hour": 3, "minute": 18, "second": 58}
